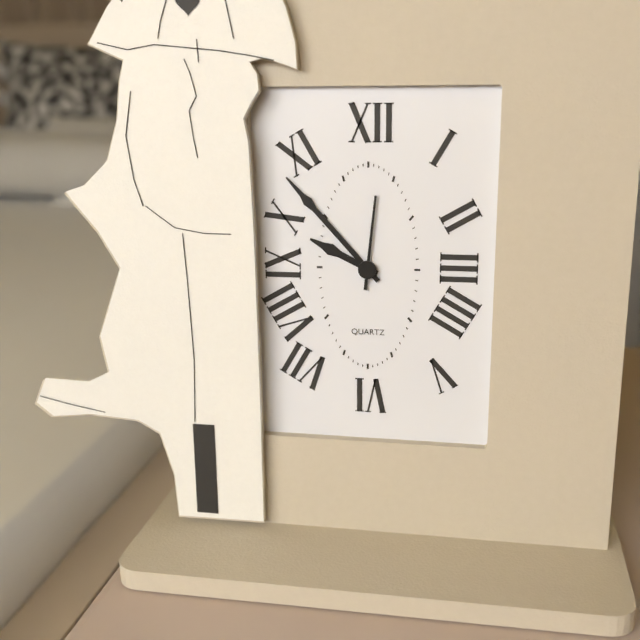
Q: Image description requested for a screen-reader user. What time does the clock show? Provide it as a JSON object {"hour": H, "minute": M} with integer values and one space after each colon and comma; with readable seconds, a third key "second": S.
{"hour": 9, "minute": 53, "second": 1}
